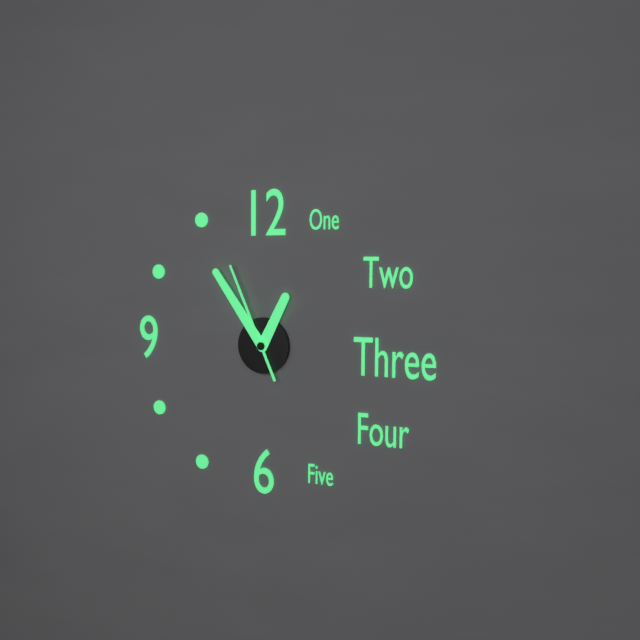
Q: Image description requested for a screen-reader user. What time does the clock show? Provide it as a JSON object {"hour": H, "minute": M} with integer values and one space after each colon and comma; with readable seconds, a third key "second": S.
{"hour": 12, "minute": 54, "second": 56}
